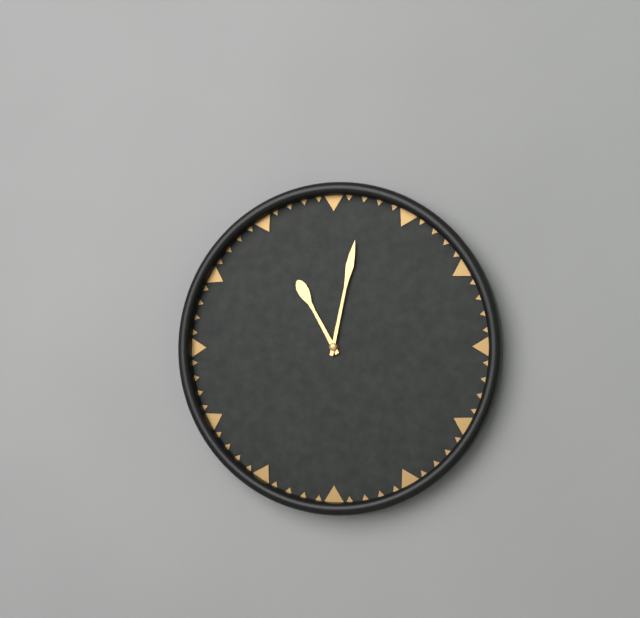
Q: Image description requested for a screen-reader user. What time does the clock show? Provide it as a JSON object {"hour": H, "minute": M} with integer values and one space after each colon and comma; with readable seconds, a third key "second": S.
{"hour": 11, "minute": 2}
